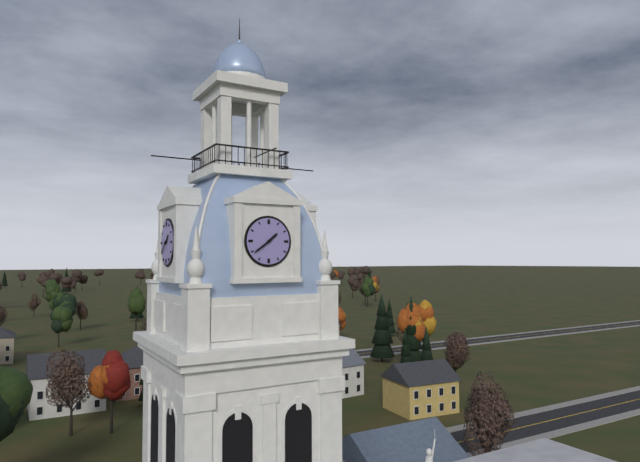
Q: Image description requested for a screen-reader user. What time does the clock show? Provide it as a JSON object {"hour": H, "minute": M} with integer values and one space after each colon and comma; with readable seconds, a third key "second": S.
{"hour": 1, "minute": 39}
